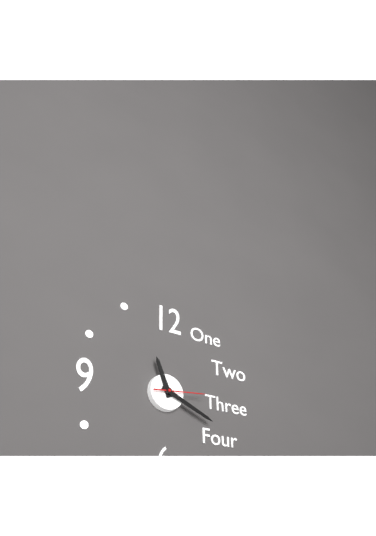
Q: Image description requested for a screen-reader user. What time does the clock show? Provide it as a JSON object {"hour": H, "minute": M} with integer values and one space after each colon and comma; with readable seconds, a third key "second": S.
{"hour": 11, "minute": 19}
